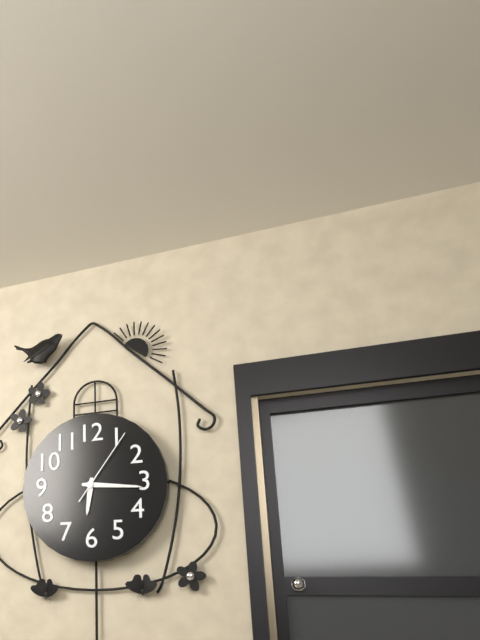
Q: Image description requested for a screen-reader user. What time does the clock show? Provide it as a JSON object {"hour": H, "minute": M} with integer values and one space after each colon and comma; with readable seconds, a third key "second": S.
{"hour": 6, "minute": 16, "second": 6}
